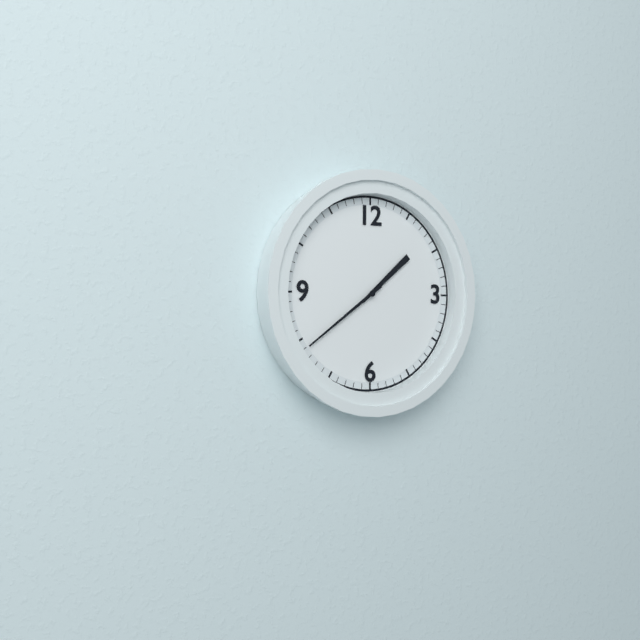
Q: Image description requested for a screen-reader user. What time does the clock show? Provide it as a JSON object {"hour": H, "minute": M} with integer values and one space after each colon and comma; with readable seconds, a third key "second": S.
{"hour": 1, "minute": 39}
